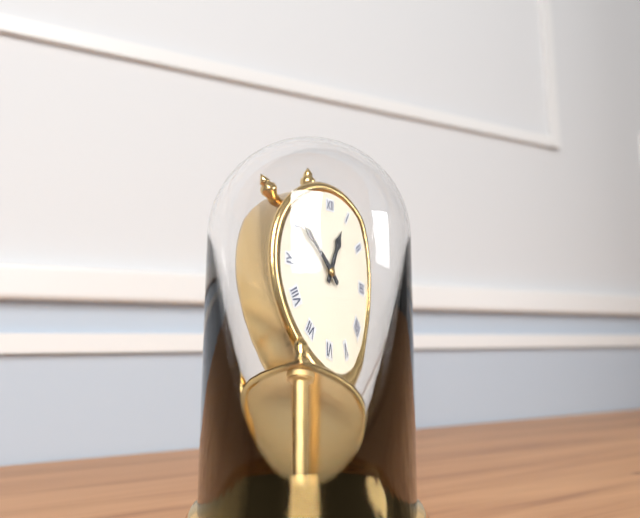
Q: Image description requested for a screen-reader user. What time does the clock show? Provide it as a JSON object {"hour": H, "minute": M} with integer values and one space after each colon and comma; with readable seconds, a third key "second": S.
{"hour": 12, "minute": 51}
